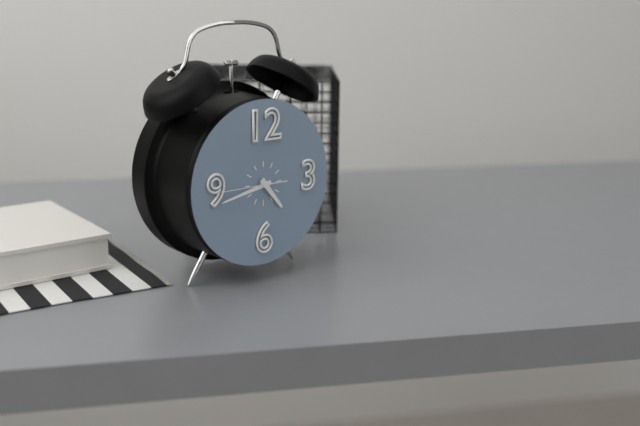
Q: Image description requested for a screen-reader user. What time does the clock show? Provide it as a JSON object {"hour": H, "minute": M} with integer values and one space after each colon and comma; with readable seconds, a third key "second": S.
{"hour": 4, "minute": 43, "second": 45}
